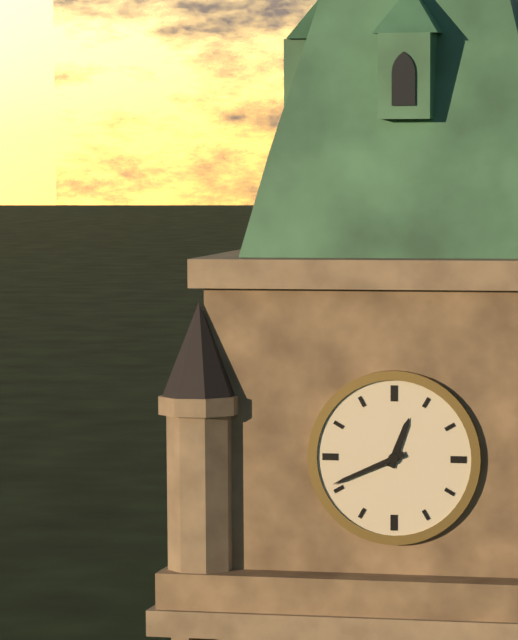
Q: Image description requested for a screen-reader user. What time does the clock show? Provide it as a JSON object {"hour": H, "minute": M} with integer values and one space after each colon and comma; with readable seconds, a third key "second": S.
{"hour": 12, "minute": 41}
